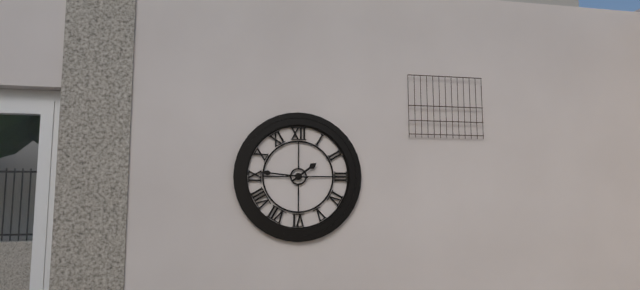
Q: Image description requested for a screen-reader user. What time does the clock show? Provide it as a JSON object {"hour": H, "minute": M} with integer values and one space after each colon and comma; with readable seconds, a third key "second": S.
{"hour": 1, "minute": 46}
